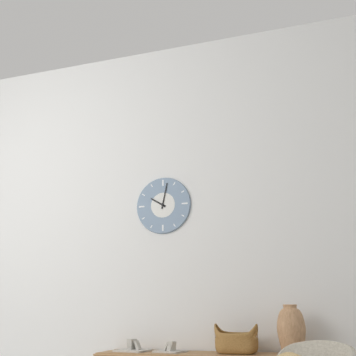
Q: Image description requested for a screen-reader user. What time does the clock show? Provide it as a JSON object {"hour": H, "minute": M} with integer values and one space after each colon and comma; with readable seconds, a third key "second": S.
{"hour": 10, "minute": 2}
